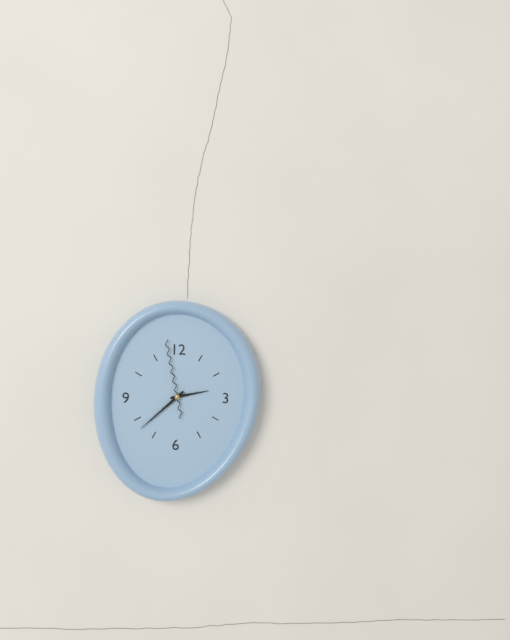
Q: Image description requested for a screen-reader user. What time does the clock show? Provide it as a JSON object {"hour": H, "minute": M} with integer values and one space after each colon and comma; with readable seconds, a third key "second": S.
{"hour": 2, "minute": 38, "second": 58}
